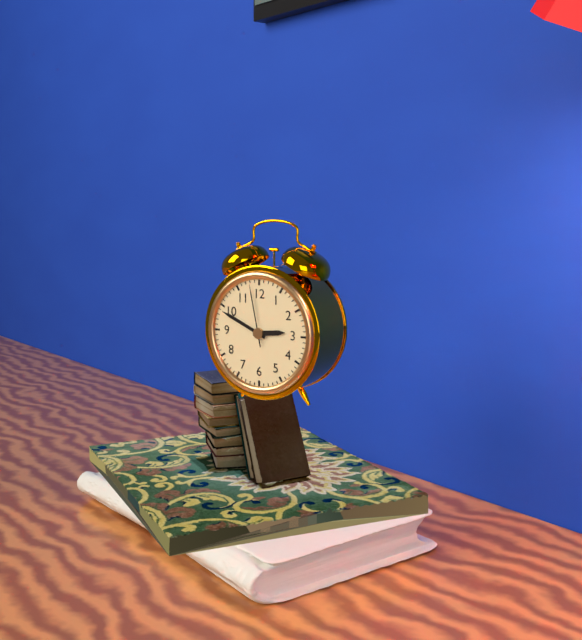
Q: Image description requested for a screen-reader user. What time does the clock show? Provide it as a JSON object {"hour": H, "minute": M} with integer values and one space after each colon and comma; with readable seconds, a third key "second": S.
{"hour": 2, "minute": 49, "second": 58}
